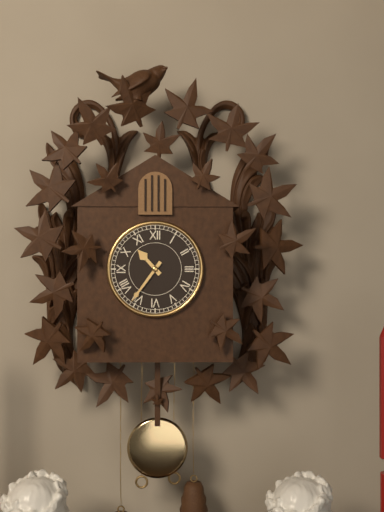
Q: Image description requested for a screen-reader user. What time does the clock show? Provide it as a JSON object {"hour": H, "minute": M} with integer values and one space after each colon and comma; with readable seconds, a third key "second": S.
{"hour": 10, "minute": 36}
